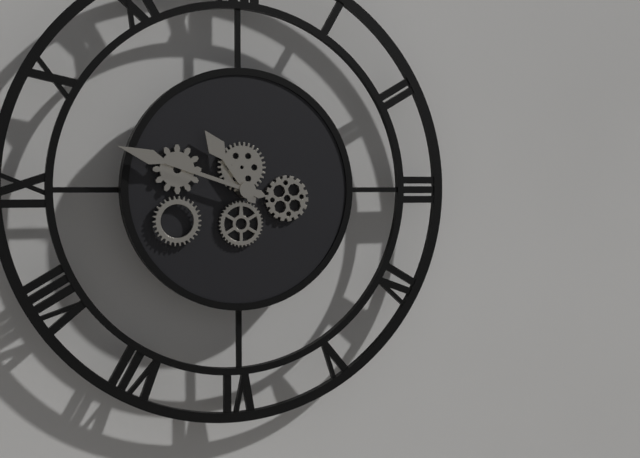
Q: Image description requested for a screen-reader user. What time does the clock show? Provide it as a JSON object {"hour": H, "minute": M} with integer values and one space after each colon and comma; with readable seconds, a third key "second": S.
{"hour": 10, "minute": 48}
